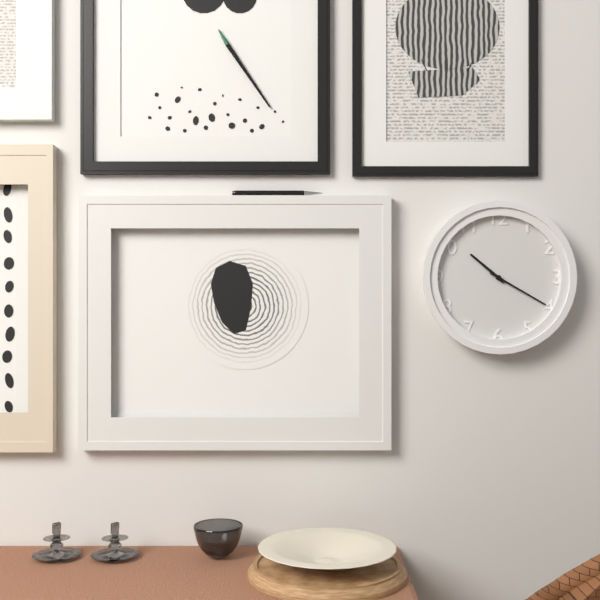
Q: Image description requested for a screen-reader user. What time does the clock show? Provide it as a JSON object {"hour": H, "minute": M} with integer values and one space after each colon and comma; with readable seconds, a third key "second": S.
{"hour": 10, "minute": 20}
